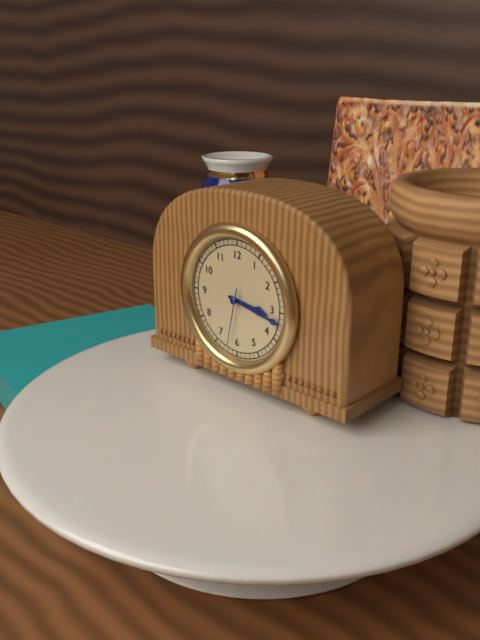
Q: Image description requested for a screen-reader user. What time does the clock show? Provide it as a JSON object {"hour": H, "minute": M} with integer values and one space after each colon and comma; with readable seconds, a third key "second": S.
{"hour": 3, "minute": 17, "second": 32}
